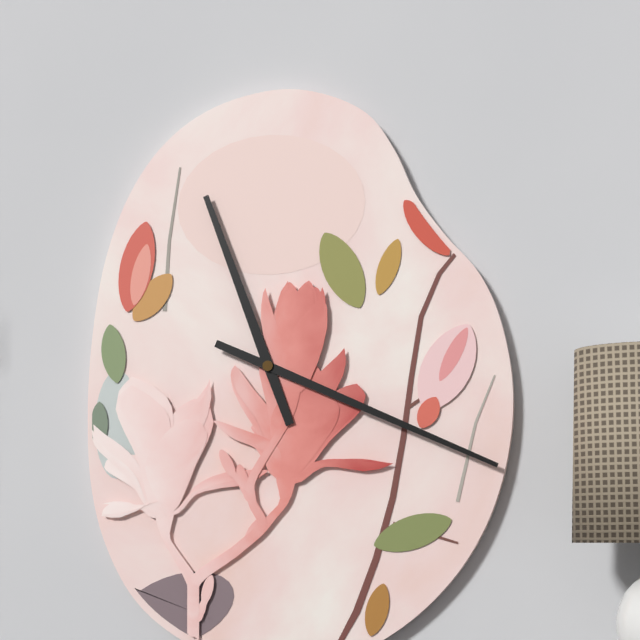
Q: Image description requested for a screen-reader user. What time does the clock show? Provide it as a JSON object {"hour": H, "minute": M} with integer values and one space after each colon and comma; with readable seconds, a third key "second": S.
{"hour": 11, "minute": 19}
